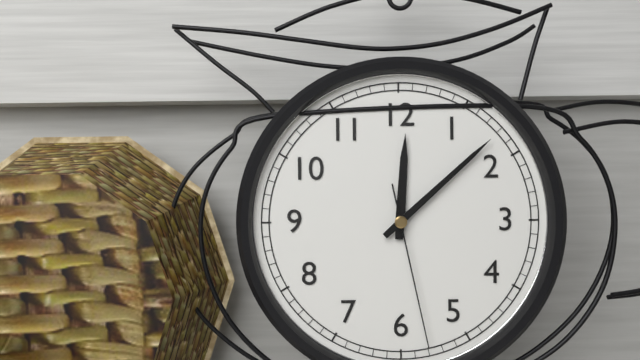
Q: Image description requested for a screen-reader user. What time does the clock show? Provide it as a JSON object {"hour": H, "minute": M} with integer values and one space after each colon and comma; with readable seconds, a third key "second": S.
{"hour": 12, "minute": 8, "second": 28}
